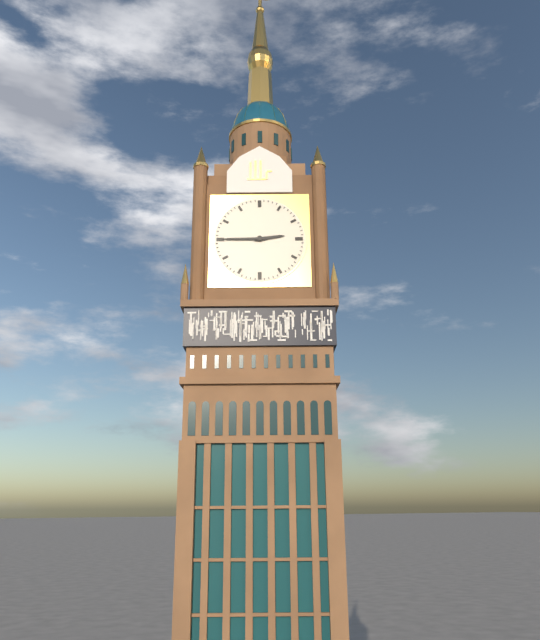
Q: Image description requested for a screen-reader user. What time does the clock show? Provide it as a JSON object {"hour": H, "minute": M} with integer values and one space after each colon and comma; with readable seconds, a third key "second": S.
{"hour": 2, "minute": 45}
